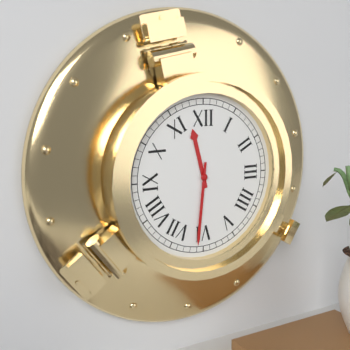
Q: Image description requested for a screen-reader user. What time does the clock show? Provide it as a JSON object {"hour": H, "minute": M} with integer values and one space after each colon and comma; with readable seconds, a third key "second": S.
{"hour": 11, "minute": 31}
